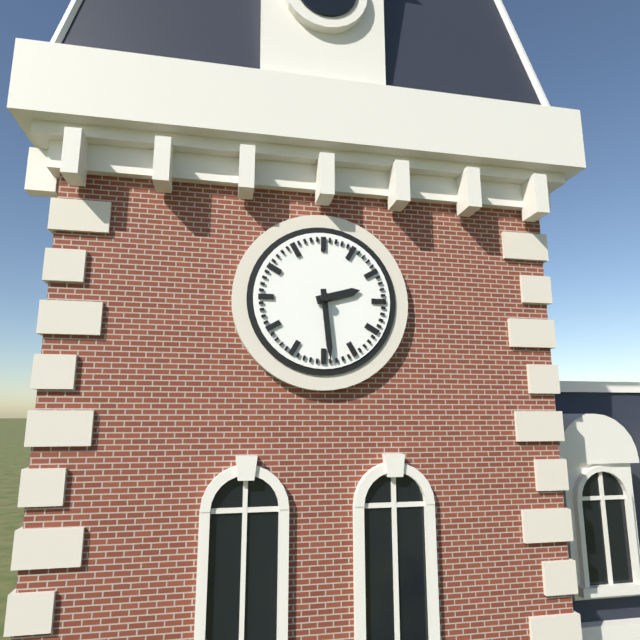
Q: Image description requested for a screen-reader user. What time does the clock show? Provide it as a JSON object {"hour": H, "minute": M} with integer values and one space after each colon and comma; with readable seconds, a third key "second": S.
{"hour": 2, "minute": 29}
